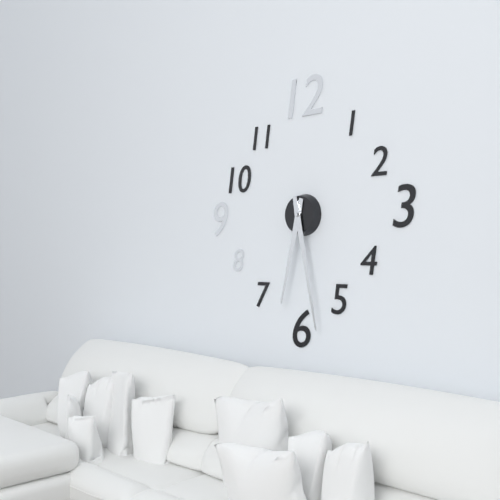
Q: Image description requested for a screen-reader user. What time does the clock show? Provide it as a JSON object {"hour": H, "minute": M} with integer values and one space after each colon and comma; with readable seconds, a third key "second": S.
{"hour": 6, "minute": 28}
